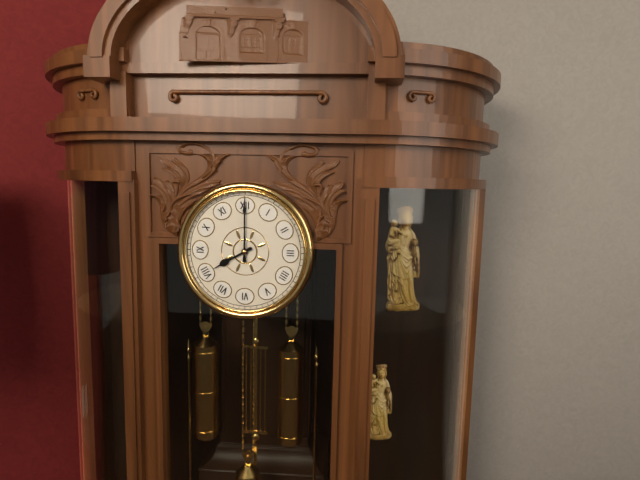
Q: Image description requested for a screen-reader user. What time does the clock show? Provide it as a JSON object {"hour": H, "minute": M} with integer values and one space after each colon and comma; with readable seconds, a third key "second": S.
{"hour": 8, "minute": 0}
